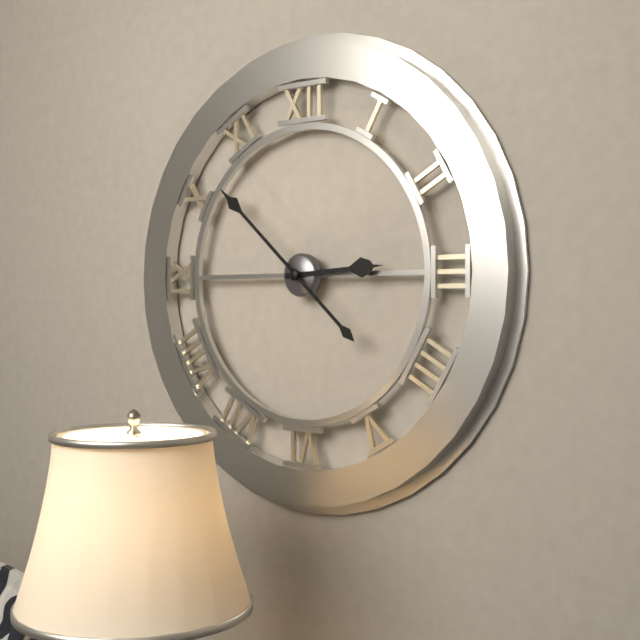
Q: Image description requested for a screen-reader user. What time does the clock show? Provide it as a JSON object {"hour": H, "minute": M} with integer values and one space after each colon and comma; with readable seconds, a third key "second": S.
{"hour": 2, "minute": 52}
